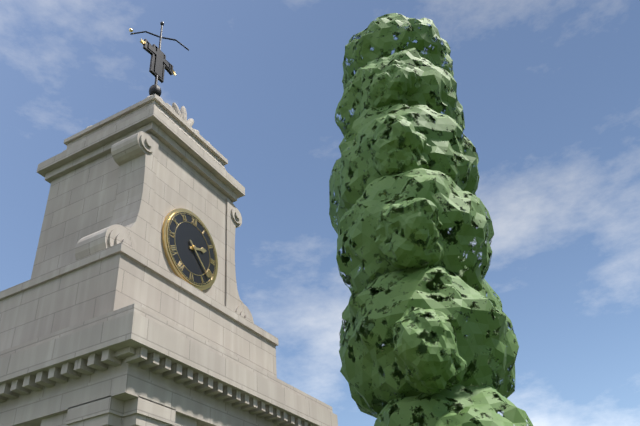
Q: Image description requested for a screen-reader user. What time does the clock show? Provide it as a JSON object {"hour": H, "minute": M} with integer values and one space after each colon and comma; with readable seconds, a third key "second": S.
{"hour": 2, "minute": 22}
